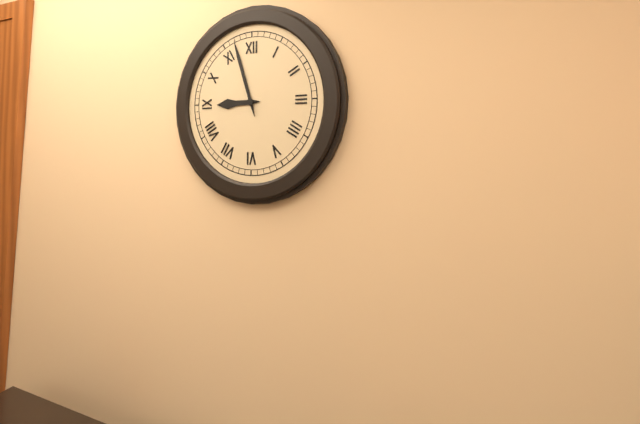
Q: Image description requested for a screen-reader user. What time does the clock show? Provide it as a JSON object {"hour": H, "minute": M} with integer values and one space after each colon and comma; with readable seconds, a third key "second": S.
{"hour": 8, "minute": 57}
